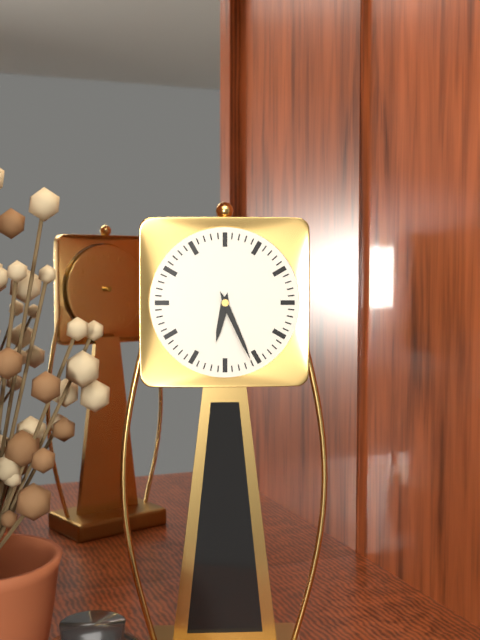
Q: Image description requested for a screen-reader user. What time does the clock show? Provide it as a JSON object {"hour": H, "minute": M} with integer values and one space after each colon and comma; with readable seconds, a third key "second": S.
{"hour": 6, "minute": 26}
